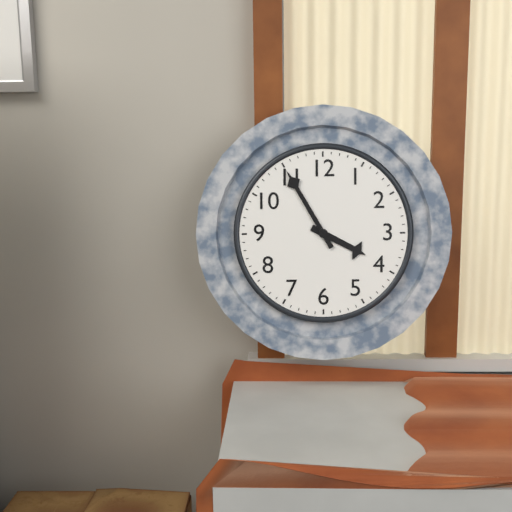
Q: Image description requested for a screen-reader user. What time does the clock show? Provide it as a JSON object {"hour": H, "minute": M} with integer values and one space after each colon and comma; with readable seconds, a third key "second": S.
{"hour": 3, "minute": 55}
